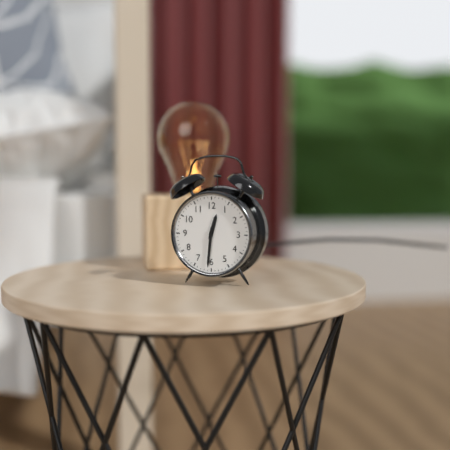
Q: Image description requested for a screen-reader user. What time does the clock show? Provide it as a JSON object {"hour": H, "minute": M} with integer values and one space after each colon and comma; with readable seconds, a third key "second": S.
{"hour": 12, "minute": 31}
